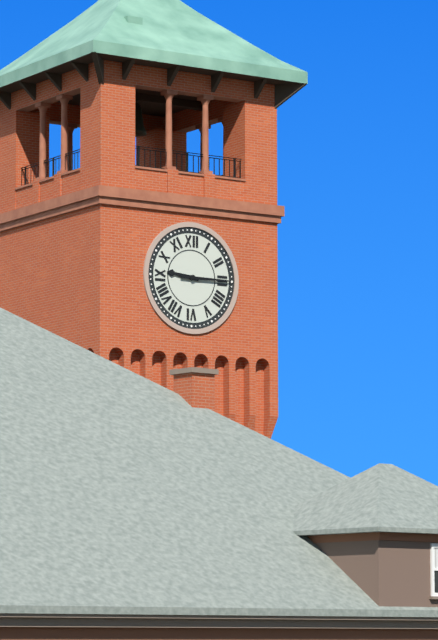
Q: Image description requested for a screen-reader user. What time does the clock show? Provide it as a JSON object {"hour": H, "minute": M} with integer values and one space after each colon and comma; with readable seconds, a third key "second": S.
{"hour": 9, "minute": 15}
